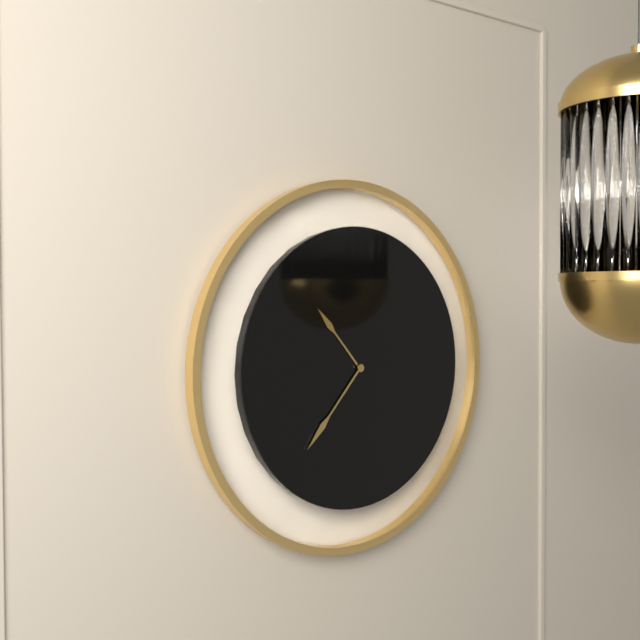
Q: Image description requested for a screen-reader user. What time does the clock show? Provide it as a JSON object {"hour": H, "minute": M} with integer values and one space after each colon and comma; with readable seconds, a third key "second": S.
{"hour": 10, "minute": 37}
